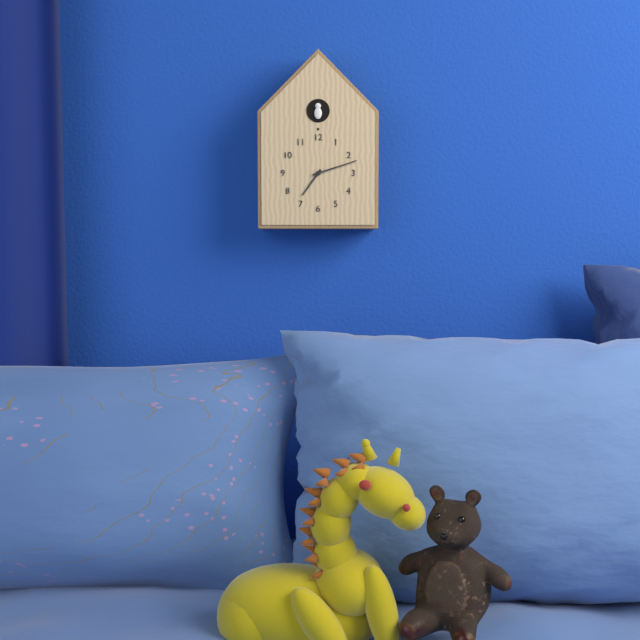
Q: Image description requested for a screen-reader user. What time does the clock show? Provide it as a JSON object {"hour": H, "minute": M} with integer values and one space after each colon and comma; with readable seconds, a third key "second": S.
{"hour": 7, "minute": 12}
